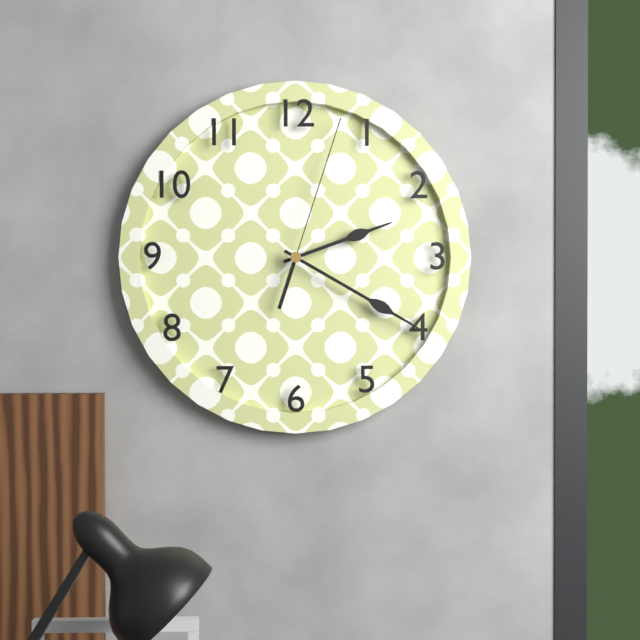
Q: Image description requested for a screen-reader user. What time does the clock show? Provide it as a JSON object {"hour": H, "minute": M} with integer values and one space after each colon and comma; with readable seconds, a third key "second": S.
{"hour": 2, "minute": 20, "second": 3}
